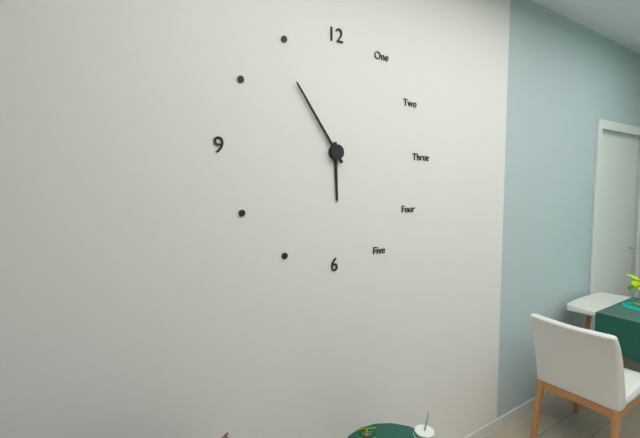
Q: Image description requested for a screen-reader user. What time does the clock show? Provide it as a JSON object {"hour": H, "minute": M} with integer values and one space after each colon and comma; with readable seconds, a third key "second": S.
{"hour": 5, "minute": 54}
